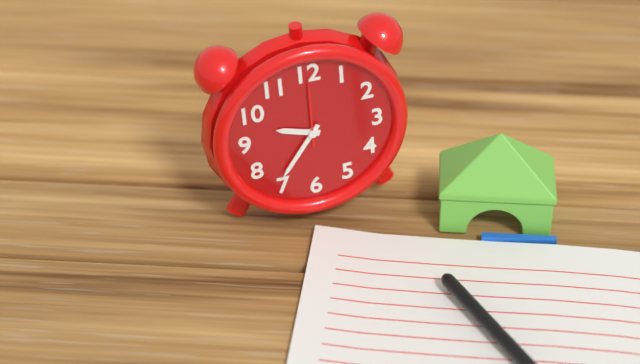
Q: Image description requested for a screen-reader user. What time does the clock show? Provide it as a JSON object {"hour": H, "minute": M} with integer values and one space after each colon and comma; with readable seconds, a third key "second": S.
{"hour": 9, "minute": 36, "second": 0}
